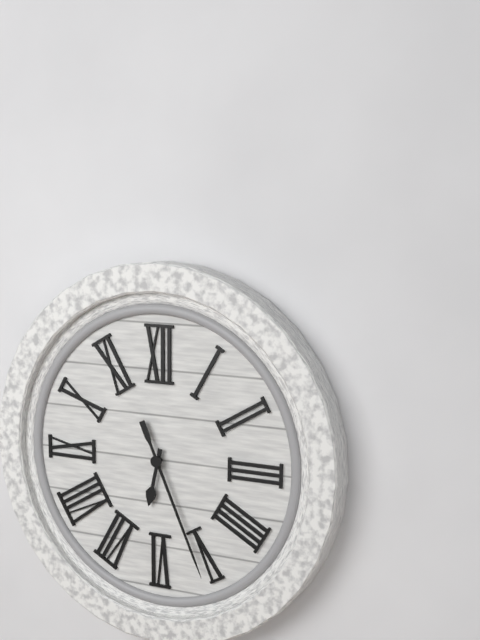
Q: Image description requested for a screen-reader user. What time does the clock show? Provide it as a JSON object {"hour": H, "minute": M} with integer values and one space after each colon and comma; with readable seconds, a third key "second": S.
{"hour": 6, "minute": 26}
